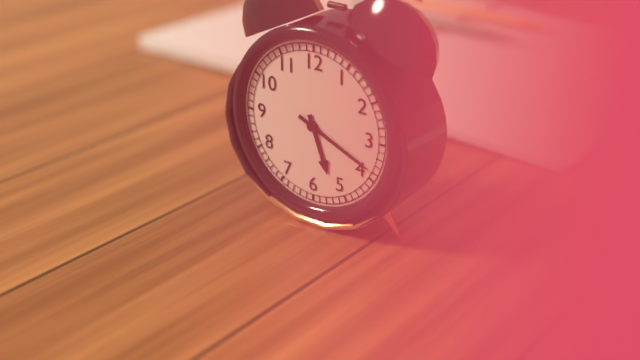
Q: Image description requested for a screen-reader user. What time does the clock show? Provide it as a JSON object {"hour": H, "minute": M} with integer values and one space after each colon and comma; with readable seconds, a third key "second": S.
{"hour": 5, "minute": 19}
